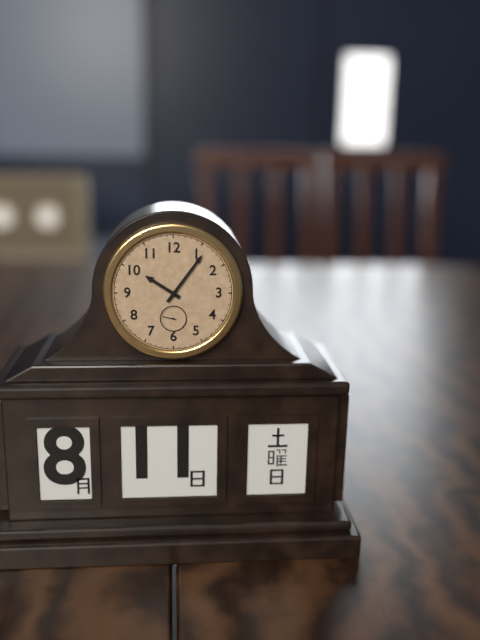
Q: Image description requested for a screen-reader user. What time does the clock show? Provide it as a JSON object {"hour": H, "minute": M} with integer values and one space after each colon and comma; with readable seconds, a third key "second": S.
{"hour": 10, "minute": 6}
